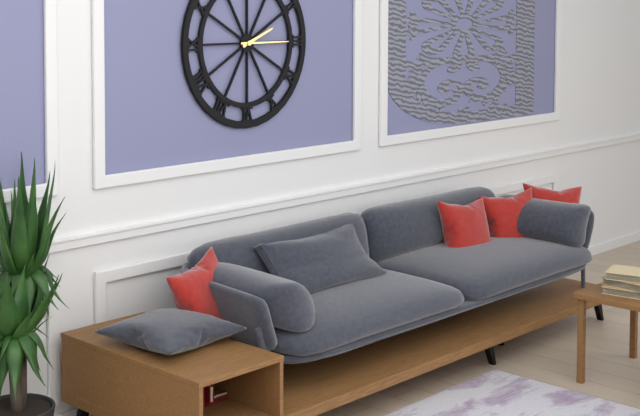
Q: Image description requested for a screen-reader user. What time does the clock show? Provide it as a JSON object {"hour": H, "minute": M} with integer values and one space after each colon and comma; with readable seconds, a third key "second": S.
{"hour": 2, "minute": 15}
